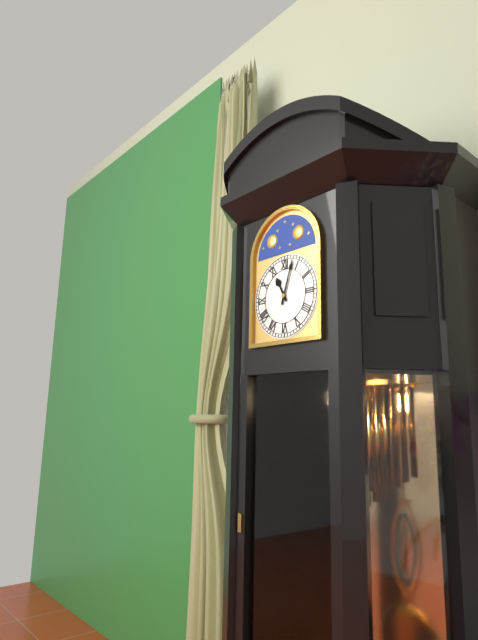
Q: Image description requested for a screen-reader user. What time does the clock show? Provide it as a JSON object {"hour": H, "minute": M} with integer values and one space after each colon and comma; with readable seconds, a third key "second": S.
{"hour": 11, "minute": 3}
